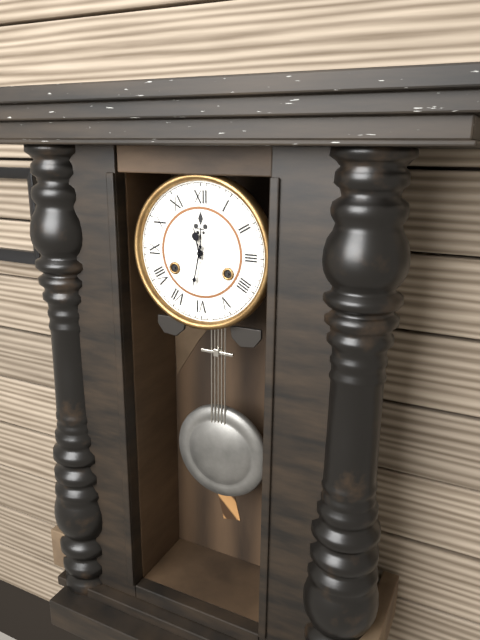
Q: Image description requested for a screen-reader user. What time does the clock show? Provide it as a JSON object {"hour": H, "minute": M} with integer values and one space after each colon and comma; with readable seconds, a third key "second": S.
{"hour": 11, "minute": 32}
